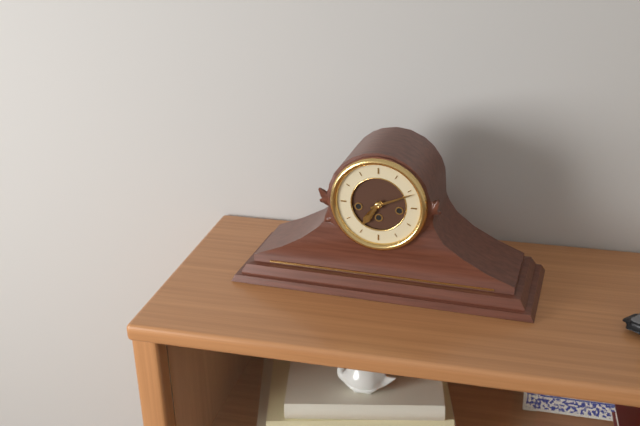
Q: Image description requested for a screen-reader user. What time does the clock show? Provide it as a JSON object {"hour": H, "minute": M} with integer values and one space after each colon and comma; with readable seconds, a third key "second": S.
{"hour": 7, "minute": 11}
